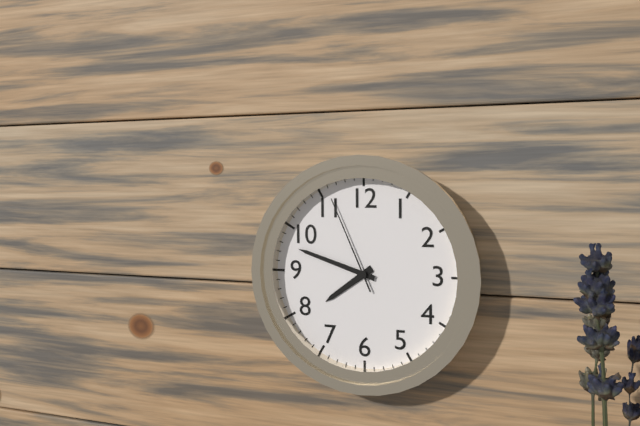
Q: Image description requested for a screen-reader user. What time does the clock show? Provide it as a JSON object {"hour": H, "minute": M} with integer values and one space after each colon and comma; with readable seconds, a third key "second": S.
{"hour": 7, "minute": 48, "second": 56}
